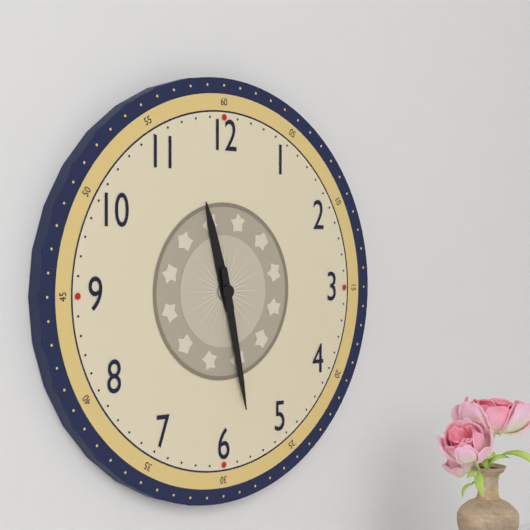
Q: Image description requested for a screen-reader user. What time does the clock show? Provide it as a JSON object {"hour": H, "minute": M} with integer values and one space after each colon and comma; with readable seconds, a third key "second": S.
{"hour": 11, "minute": 28}
